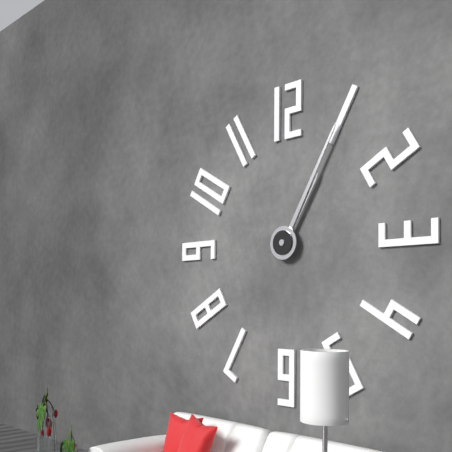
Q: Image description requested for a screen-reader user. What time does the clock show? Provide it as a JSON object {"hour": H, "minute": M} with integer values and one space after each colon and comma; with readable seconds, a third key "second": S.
{"hour": 1, "minute": 5}
